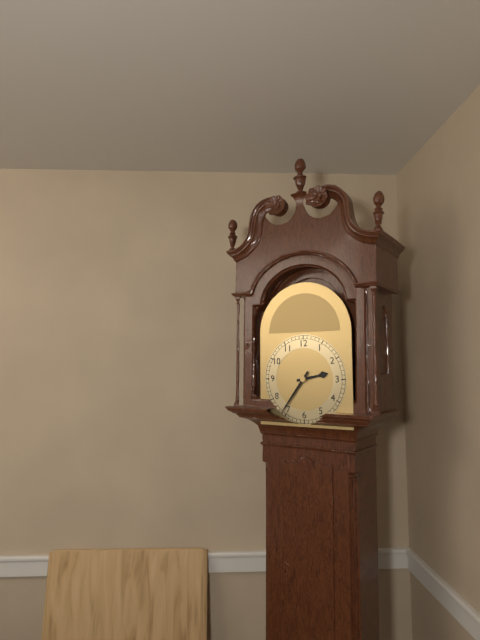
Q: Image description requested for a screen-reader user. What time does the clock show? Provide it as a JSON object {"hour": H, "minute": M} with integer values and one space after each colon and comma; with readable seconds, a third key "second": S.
{"hour": 2, "minute": 36}
